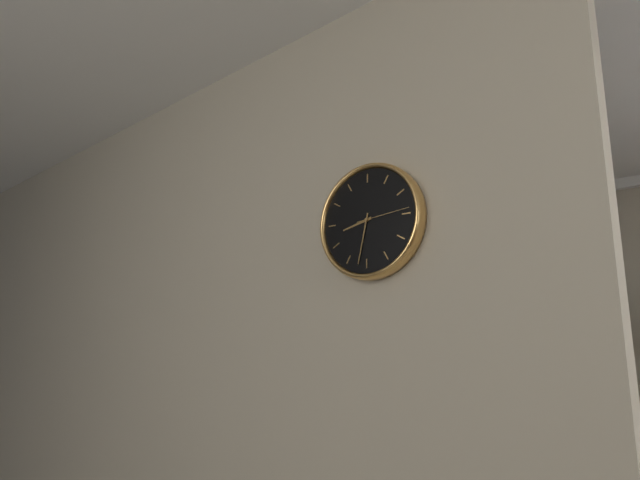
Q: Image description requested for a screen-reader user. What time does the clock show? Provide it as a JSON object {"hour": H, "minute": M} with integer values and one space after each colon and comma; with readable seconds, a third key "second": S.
{"hour": 8, "minute": 32}
